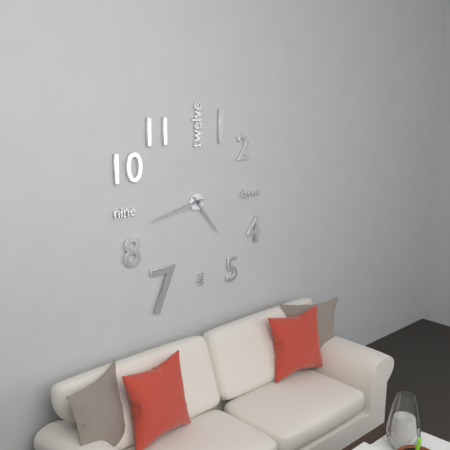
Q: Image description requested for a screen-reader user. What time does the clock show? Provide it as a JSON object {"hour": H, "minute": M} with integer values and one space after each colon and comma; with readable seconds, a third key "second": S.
{"hour": 4, "minute": 43}
